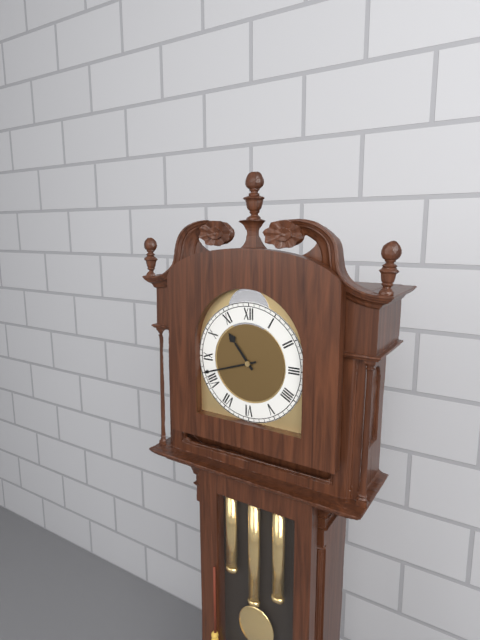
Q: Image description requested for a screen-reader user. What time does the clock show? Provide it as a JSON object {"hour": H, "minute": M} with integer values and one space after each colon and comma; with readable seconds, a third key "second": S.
{"hour": 10, "minute": 42}
